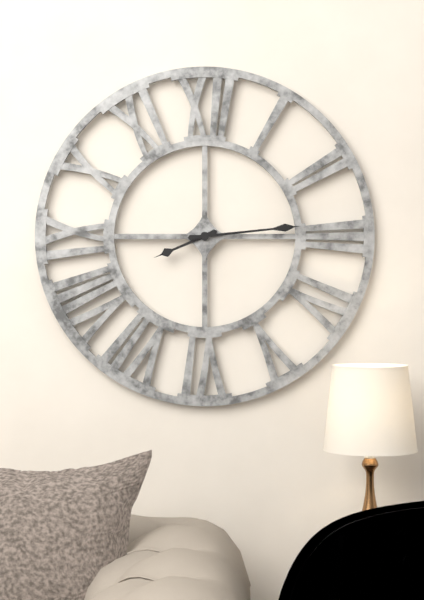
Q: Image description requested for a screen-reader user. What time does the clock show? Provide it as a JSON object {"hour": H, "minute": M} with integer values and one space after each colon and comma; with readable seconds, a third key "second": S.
{"hour": 8, "minute": 14}
